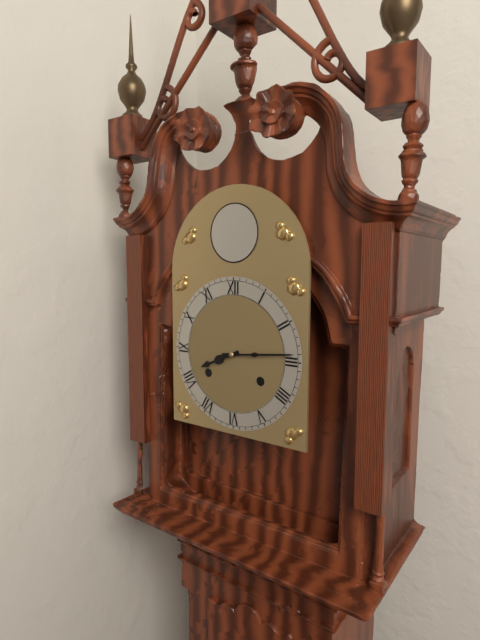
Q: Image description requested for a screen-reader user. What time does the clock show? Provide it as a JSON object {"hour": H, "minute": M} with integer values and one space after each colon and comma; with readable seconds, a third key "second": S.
{"hour": 8, "minute": 14}
